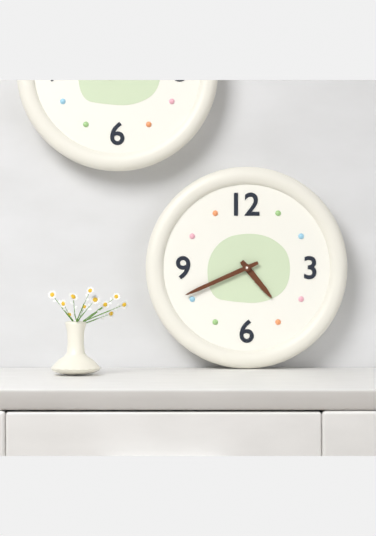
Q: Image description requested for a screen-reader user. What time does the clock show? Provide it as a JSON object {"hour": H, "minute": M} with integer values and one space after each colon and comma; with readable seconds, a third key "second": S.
{"hour": 4, "minute": 41}
